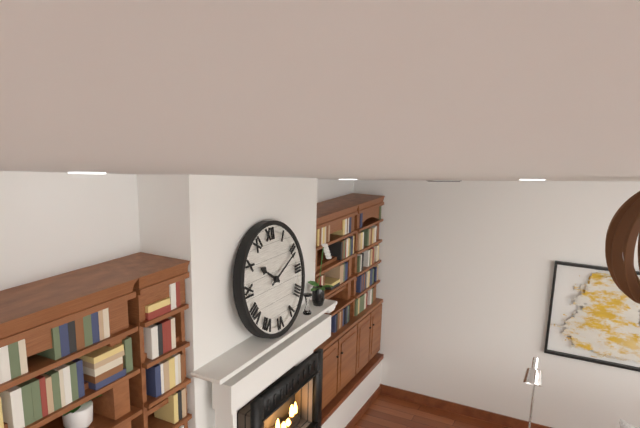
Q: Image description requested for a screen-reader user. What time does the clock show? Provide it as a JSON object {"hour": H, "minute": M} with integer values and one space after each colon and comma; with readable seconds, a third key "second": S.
{"hour": 10, "minute": 11}
